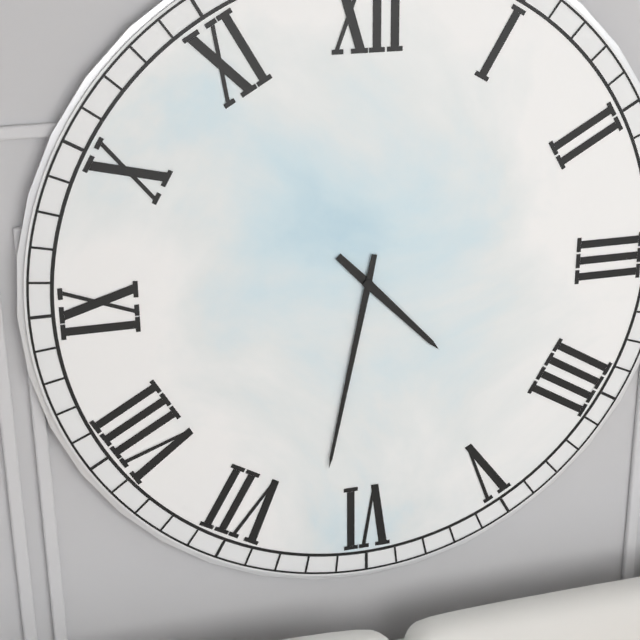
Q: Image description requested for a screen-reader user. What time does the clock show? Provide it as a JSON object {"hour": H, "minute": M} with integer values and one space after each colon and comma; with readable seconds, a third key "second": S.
{"hour": 4, "minute": 32}
